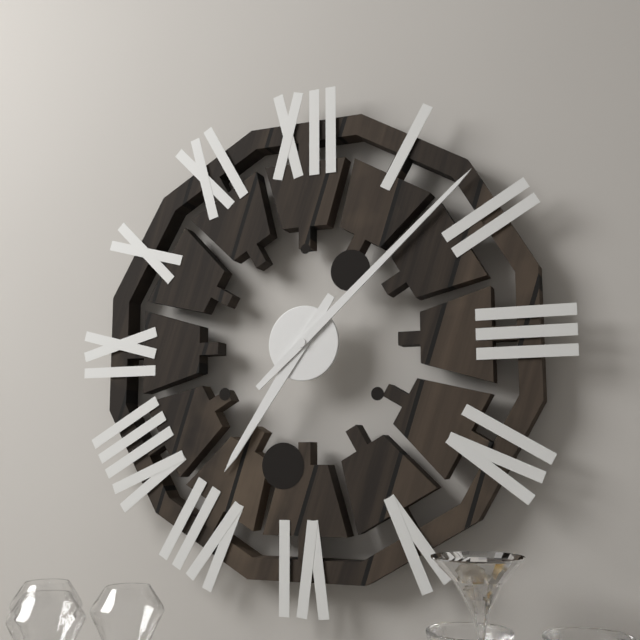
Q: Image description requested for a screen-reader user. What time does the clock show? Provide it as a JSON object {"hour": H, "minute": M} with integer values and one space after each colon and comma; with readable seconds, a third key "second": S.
{"hour": 7, "minute": 8}
